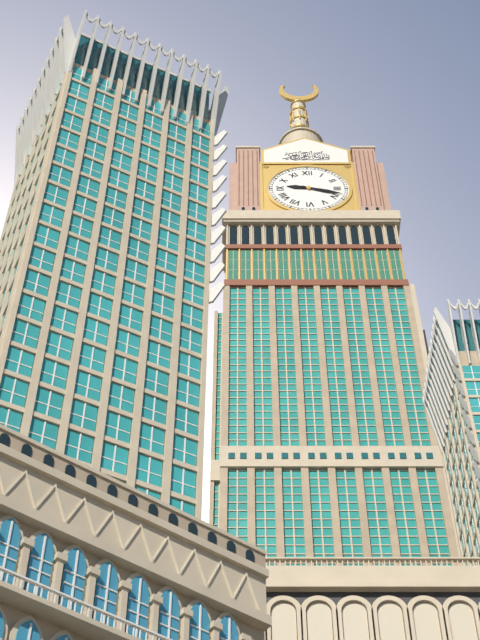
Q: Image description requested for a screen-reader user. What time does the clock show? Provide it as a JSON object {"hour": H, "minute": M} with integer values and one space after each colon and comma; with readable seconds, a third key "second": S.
{"hour": 9, "minute": 18}
